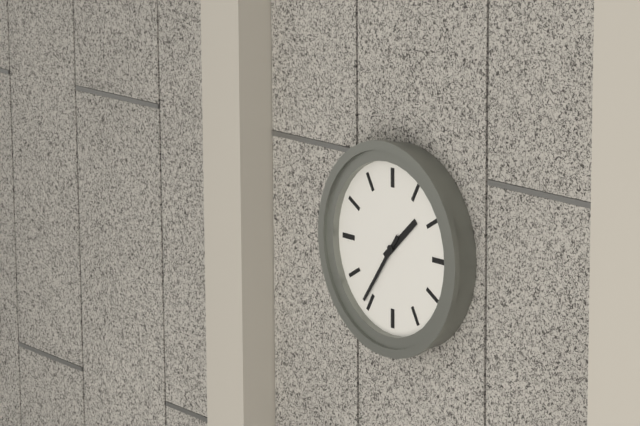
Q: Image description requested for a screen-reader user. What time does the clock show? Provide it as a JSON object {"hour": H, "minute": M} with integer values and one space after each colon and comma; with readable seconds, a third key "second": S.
{"hour": 1, "minute": 36}
